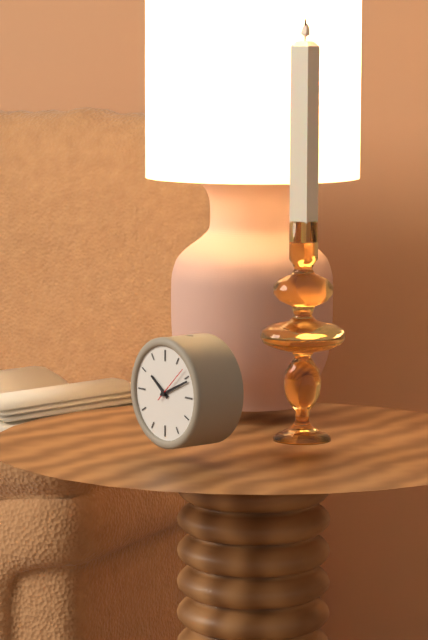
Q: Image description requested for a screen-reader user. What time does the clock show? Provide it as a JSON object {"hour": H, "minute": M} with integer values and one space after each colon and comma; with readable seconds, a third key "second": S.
{"hour": 10, "minute": 11}
